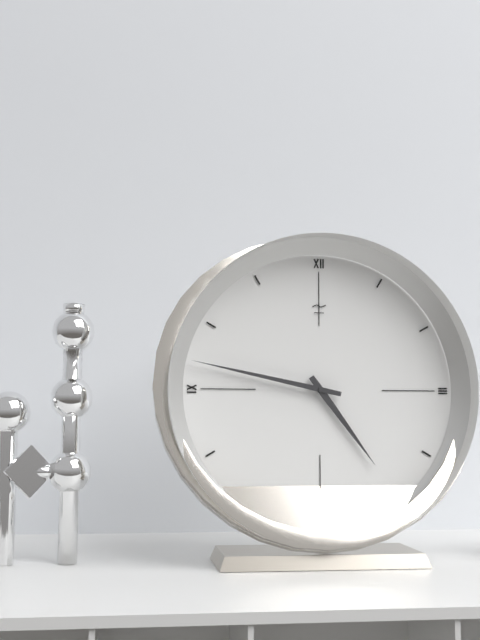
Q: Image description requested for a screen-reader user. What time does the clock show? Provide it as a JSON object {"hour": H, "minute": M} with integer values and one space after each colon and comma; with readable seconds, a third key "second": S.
{"hour": 4, "minute": 47}
